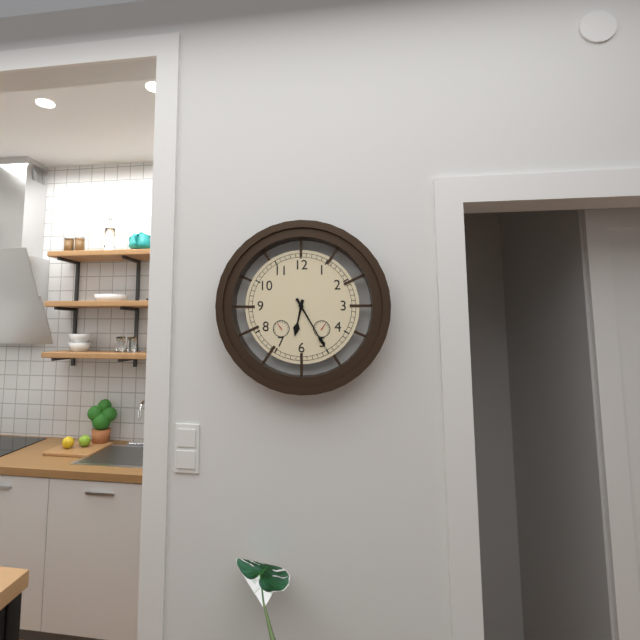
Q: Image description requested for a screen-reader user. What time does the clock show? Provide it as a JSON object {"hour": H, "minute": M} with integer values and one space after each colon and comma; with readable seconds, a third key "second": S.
{"hour": 6, "minute": 25}
